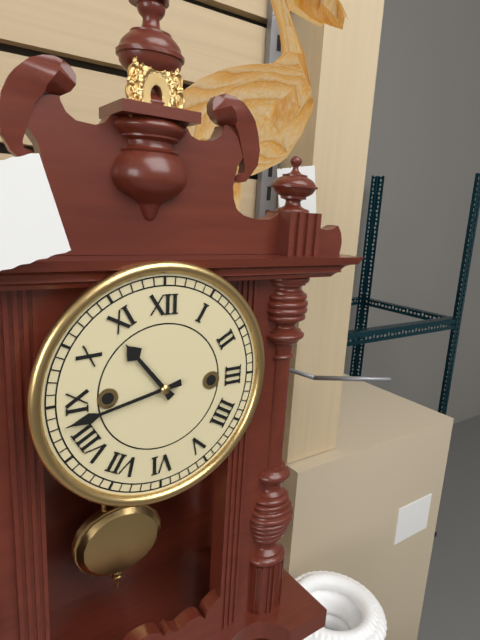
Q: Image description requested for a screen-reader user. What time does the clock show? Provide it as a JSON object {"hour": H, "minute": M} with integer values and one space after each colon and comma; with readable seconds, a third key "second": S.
{"hour": 10, "minute": 43}
